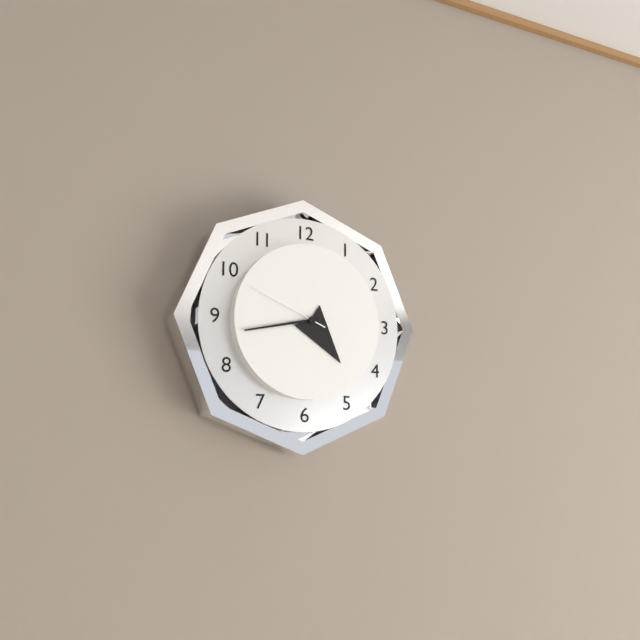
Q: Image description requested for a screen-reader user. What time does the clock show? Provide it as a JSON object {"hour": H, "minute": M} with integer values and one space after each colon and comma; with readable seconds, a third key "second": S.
{"hour": 4, "minute": 43, "second": 49}
